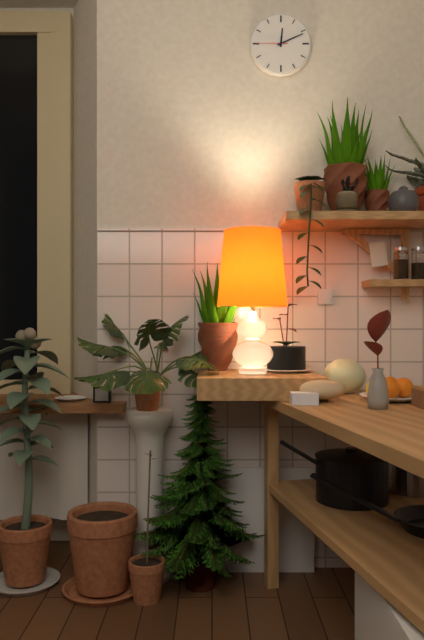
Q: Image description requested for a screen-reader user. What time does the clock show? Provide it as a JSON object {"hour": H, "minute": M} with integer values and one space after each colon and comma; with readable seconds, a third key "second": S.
{"hour": 12, "minute": 11}
